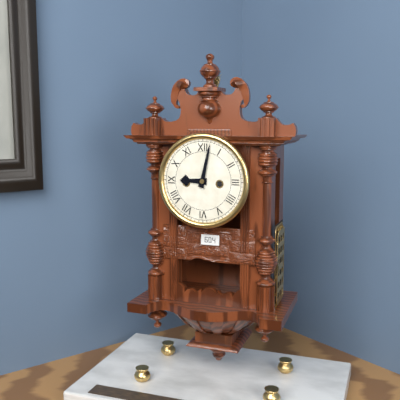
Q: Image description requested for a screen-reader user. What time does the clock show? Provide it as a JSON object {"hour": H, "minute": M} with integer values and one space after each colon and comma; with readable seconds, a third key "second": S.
{"hour": 9, "minute": 2}
